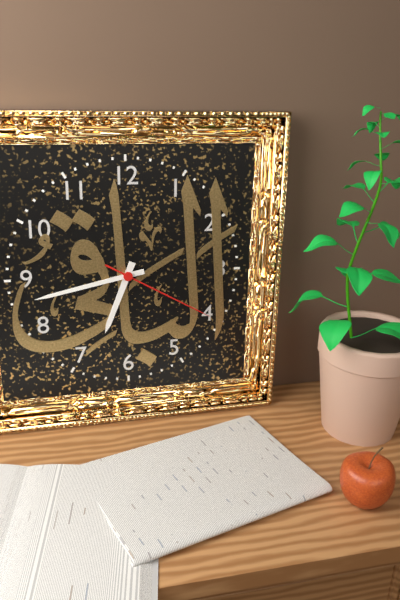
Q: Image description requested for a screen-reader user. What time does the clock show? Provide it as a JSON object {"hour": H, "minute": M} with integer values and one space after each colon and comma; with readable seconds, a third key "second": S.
{"hour": 6, "minute": 43, "second": 20}
